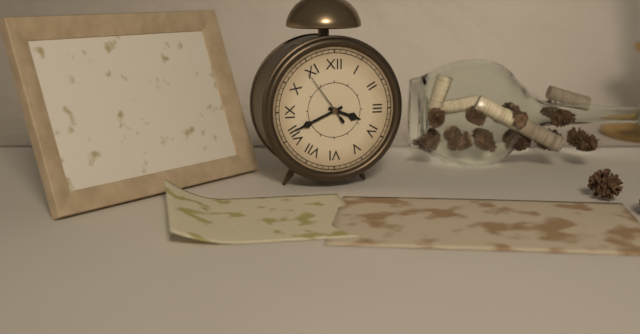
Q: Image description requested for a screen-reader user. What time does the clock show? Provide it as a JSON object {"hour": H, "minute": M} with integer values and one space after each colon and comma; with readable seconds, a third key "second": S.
{"hour": 3, "minute": 41, "second": 54}
